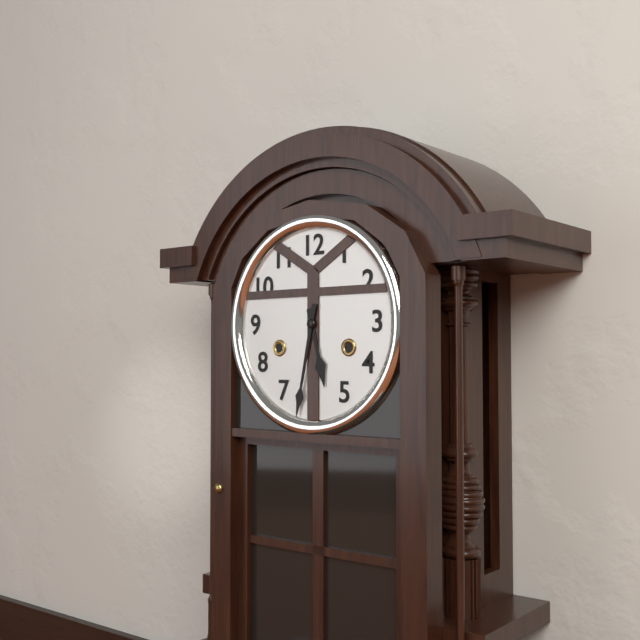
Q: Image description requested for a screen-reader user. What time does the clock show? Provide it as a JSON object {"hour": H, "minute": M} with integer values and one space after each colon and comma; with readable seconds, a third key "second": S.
{"hour": 5, "minute": 32}
